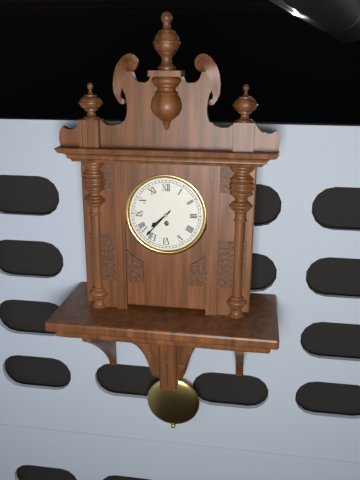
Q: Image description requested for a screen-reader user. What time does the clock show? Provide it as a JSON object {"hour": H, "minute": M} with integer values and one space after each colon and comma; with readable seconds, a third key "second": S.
{"hour": 7, "minute": 37}
